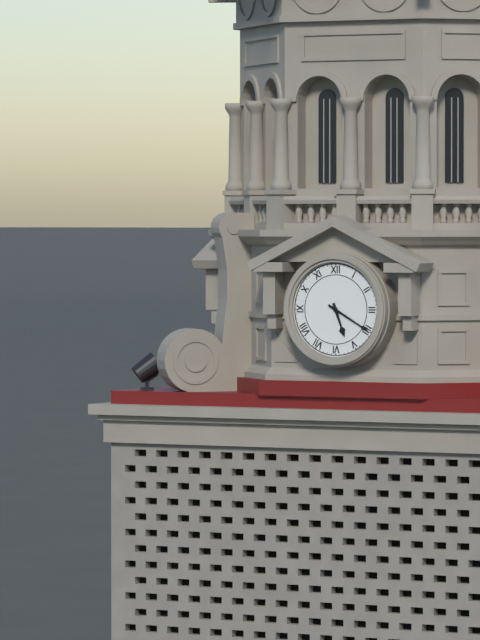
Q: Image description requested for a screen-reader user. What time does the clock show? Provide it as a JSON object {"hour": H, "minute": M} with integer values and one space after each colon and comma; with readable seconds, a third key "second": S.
{"hour": 5, "minute": 20}
